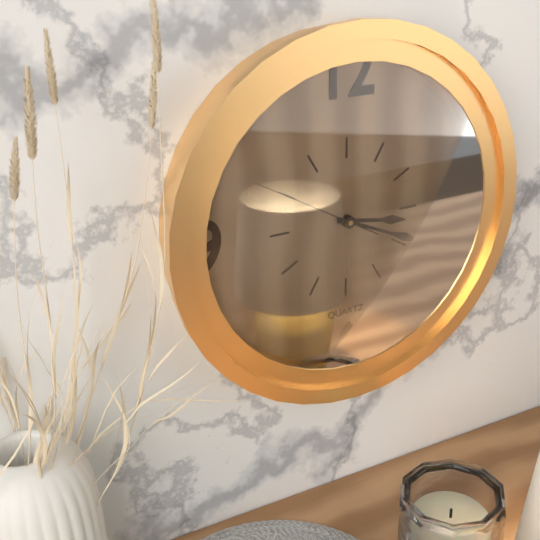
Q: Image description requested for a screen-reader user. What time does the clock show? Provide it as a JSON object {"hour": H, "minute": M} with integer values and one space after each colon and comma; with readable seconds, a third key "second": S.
{"hour": 3, "minute": 19, "second": 50}
